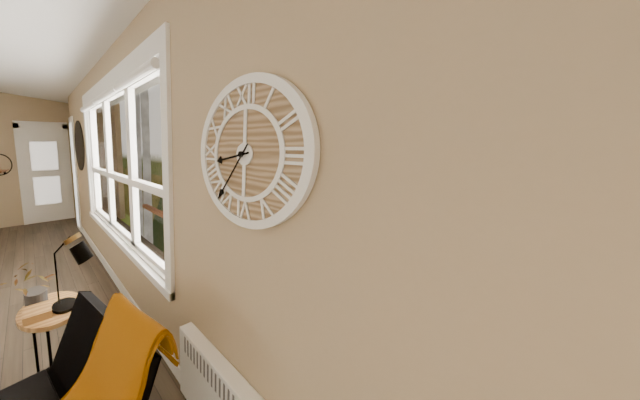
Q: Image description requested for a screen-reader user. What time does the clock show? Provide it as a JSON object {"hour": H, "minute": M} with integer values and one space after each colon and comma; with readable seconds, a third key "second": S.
{"hour": 8, "minute": 36}
